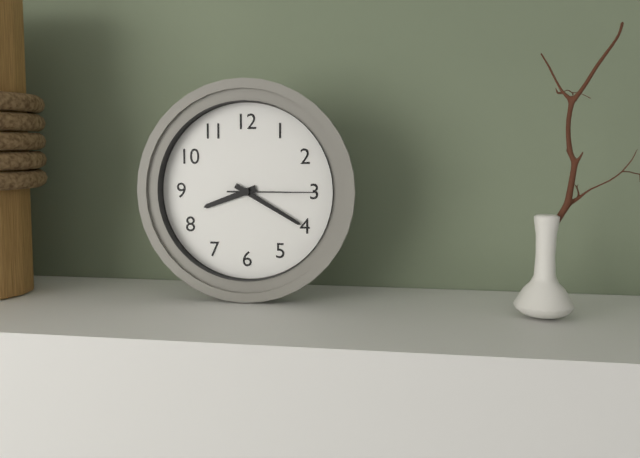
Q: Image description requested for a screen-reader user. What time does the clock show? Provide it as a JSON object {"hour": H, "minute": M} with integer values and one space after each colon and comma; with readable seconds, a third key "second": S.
{"hour": 8, "minute": 20, "second": 15}
